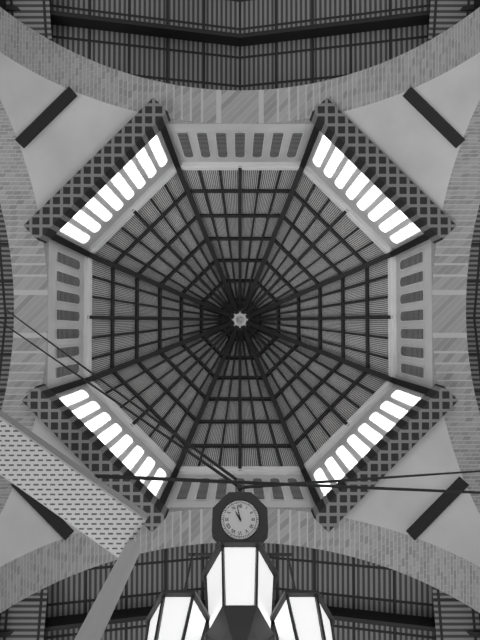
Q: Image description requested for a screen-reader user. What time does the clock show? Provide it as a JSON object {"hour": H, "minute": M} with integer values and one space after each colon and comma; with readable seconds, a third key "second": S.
{"hour": 10, "minute": 58}
